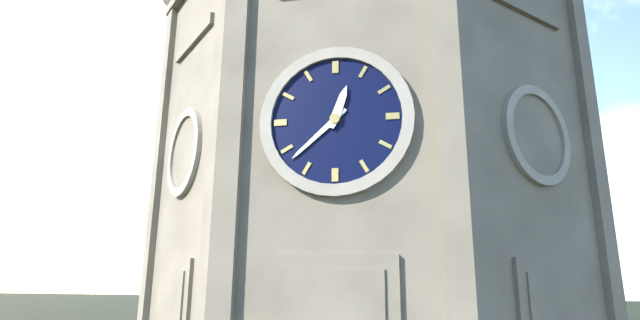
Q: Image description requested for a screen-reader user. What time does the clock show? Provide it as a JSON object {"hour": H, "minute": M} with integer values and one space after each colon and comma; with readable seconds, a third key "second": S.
{"hour": 12, "minute": 38}
